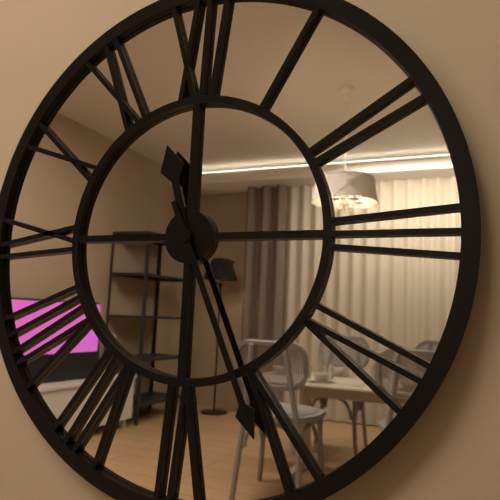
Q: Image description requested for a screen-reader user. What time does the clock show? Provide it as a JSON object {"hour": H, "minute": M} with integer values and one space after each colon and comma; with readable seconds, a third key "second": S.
{"hour": 11, "minute": 26}
